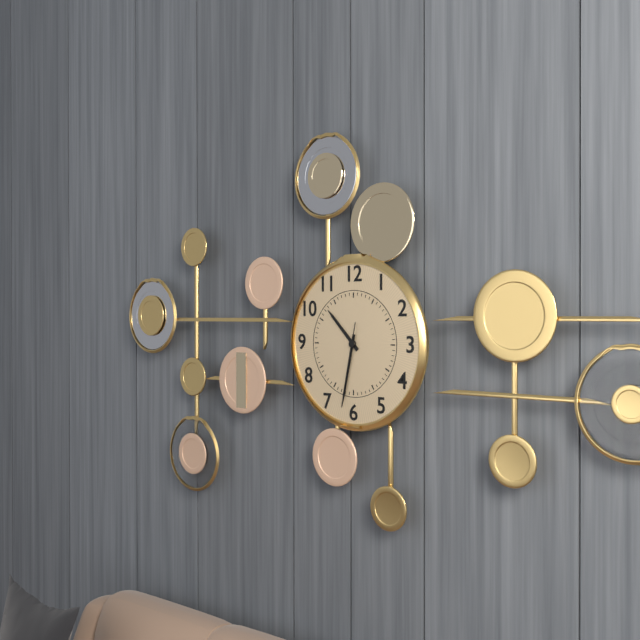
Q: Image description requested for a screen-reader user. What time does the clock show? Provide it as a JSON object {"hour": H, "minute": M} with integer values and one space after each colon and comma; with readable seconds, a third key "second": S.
{"hour": 10, "minute": 32, "second": 32}
